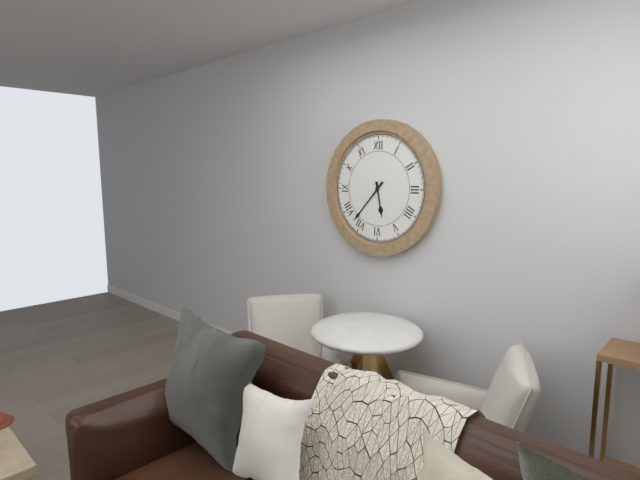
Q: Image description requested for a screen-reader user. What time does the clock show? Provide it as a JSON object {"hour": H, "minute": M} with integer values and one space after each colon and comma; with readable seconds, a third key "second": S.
{"hour": 5, "minute": 37}
